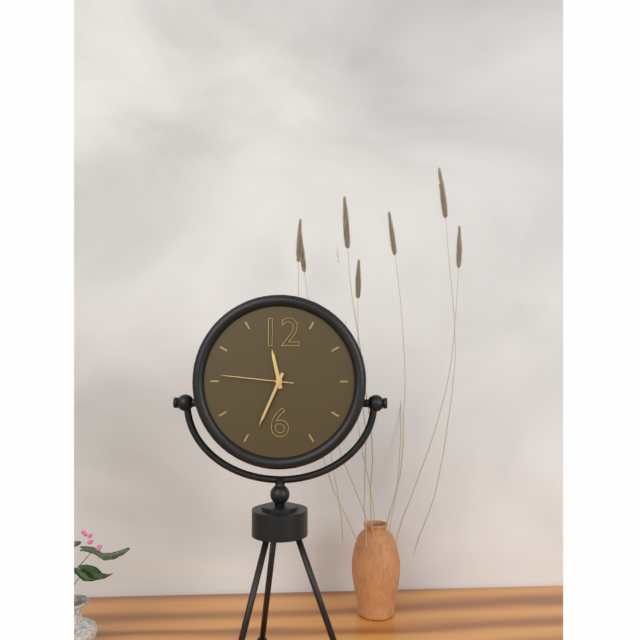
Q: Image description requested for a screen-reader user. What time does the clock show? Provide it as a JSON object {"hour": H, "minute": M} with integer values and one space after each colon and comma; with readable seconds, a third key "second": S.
{"hour": 11, "minute": 34, "second": 46}
